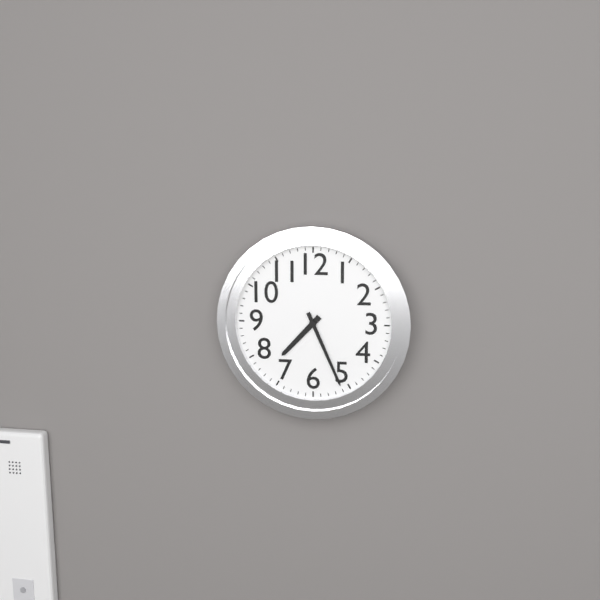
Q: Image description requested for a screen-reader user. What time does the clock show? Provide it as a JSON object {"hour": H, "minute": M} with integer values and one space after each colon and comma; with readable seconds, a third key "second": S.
{"hour": 7, "minute": 26}
